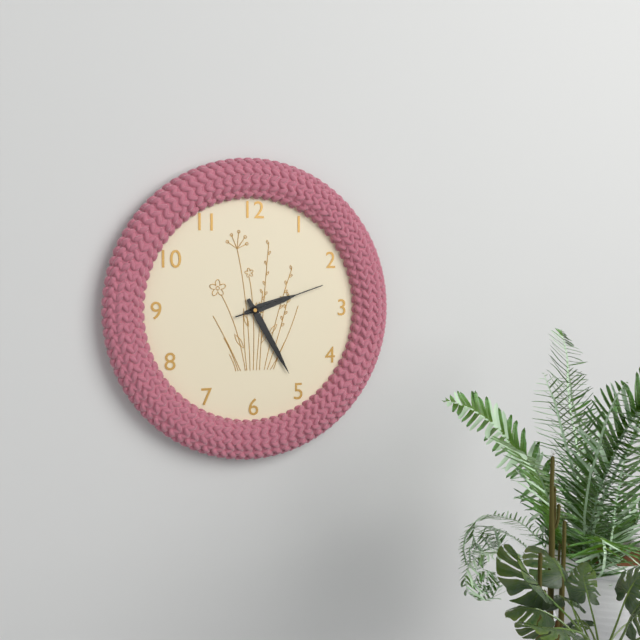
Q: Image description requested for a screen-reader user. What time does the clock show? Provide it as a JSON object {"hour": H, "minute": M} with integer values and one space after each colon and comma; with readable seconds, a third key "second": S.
{"hour": 2, "minute": 25, "second": 12}
